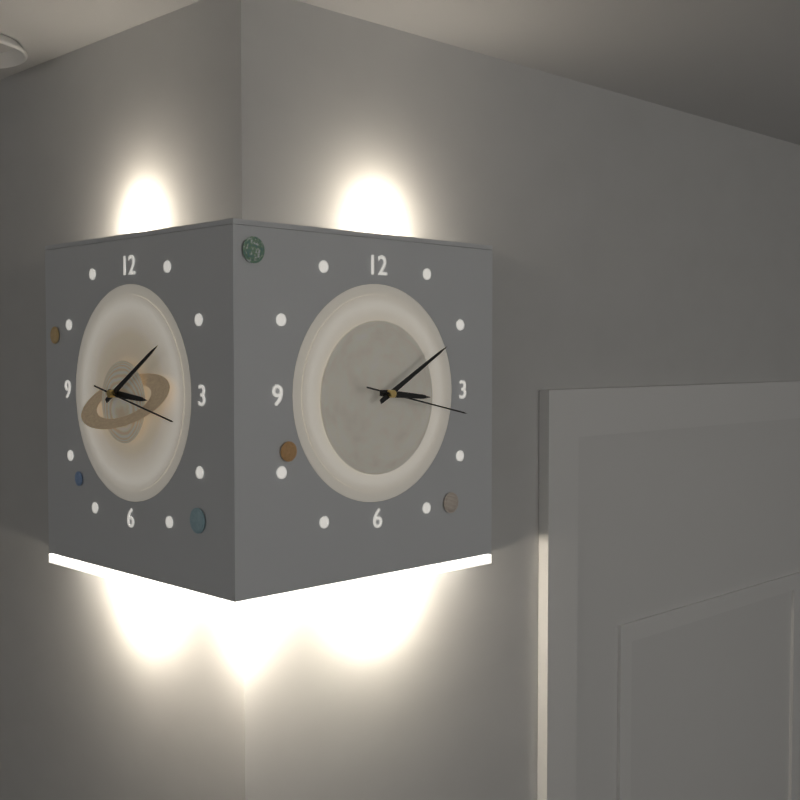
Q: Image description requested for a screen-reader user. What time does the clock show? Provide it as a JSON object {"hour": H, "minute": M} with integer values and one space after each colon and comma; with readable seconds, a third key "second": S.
{"hour": 3, "minute": 10, "second": 17}
